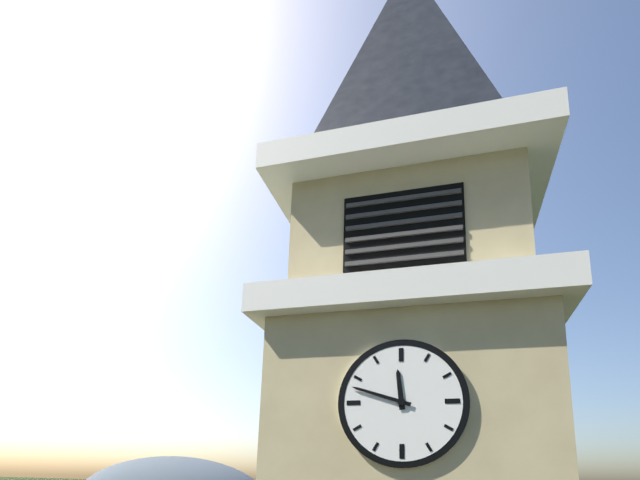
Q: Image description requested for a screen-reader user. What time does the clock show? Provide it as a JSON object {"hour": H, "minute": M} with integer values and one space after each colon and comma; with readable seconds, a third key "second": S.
{"hour": 11, "minute": 48}
